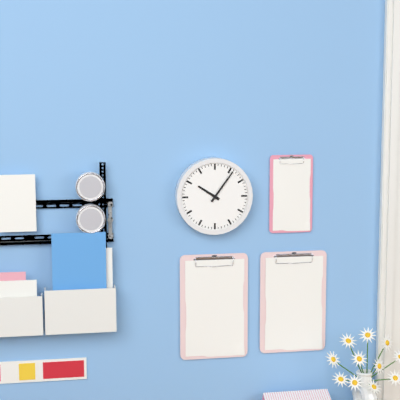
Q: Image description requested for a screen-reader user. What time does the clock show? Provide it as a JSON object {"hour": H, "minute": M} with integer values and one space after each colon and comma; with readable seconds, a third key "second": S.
{"hour": 10, "minute": 6}
